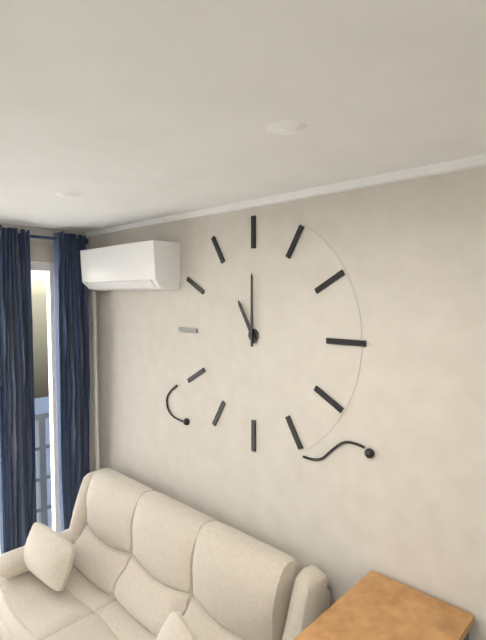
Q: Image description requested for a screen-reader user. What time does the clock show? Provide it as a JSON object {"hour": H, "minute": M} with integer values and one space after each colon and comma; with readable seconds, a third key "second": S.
{"hour": 11, "minute": 0}
